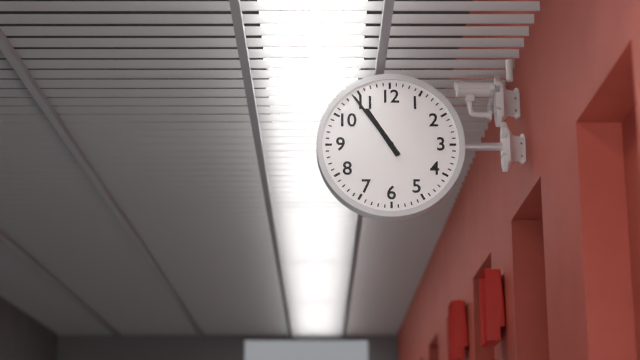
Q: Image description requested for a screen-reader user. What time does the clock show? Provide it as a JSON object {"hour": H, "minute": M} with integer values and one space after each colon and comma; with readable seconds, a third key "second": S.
{"hour": 10, "minute": 54}
